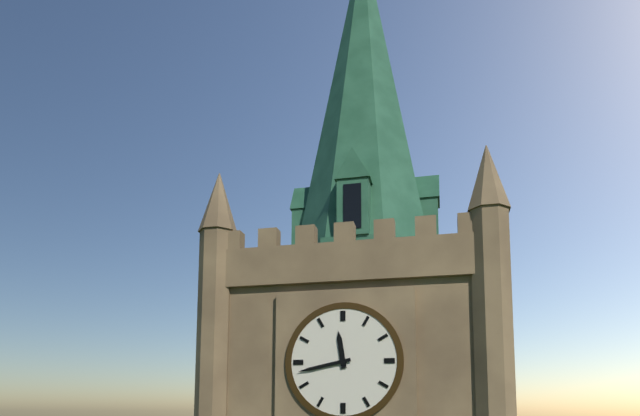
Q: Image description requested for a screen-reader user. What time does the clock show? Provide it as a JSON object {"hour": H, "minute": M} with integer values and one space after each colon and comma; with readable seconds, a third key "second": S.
{"hour": 11, "minute": 43}
